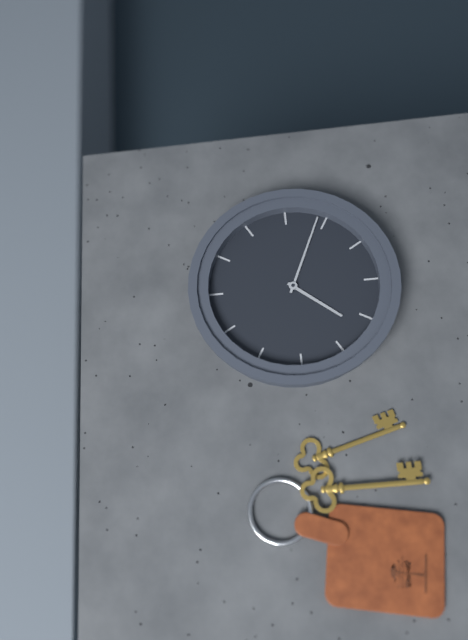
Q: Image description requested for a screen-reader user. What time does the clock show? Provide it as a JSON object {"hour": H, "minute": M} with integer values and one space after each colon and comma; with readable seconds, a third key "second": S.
{"hour": 7, "minute": 19}
